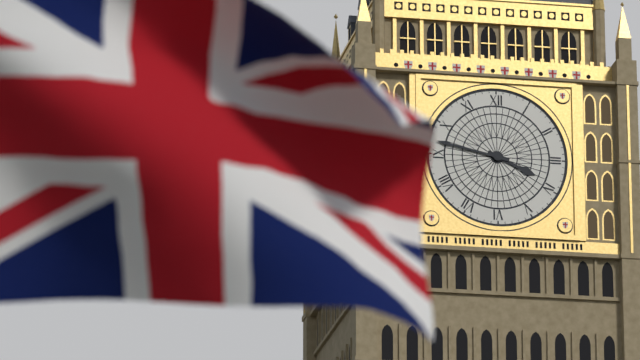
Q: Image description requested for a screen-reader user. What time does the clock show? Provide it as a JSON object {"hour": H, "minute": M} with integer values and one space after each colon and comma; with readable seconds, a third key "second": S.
{"hour": 3, "minute": 47}
